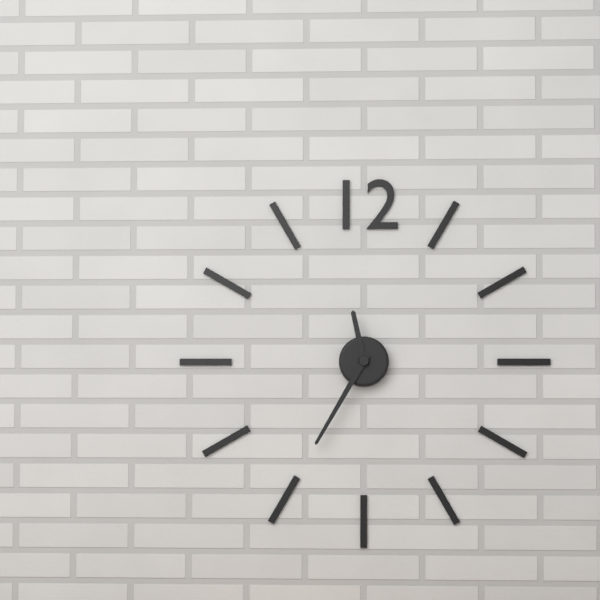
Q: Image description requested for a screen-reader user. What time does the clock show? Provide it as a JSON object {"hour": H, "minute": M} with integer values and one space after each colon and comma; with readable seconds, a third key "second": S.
{"hour": 11, "minute": 35}
